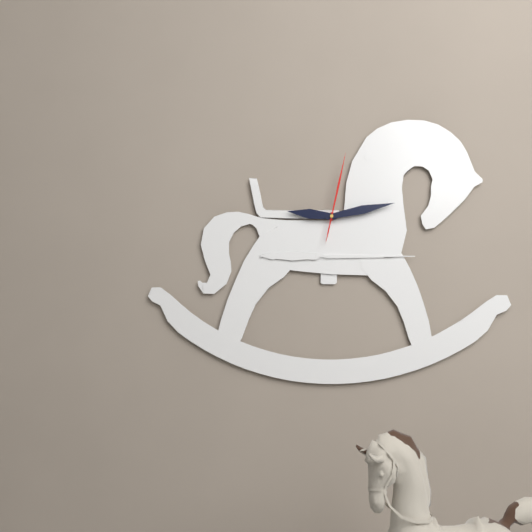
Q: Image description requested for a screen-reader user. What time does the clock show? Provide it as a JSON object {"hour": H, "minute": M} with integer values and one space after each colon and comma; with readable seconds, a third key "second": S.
{"hour": 9, "minute": 13, "second": 2}
